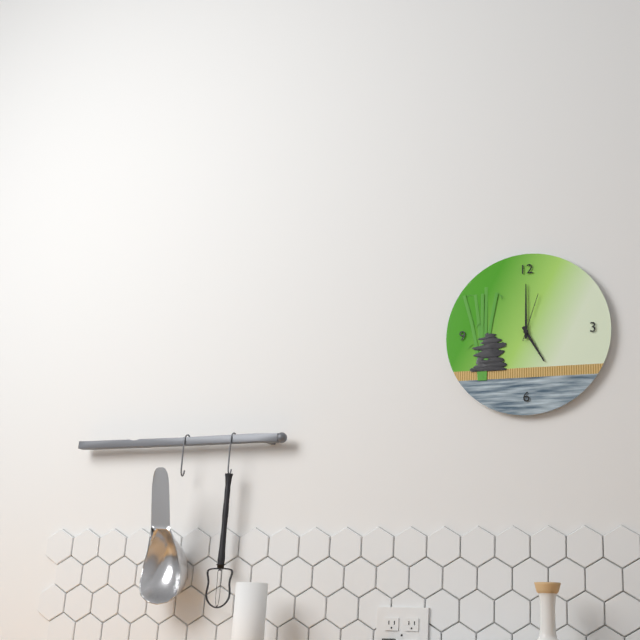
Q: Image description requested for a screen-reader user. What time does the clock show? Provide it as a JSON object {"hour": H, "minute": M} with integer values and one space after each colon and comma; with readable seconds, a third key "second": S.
{"hour": 5, "minute": 0, "second": 3}
